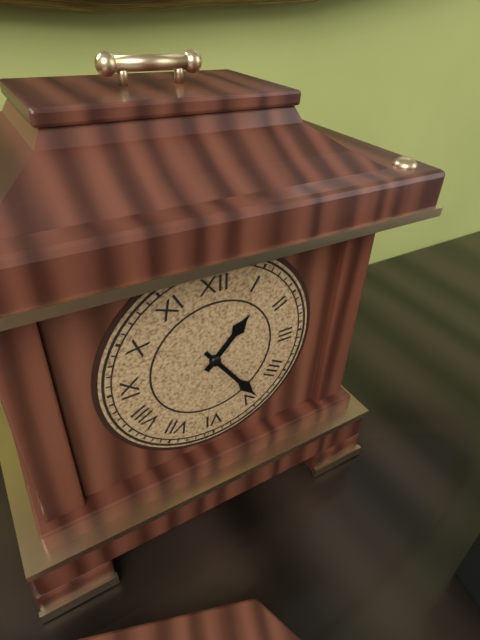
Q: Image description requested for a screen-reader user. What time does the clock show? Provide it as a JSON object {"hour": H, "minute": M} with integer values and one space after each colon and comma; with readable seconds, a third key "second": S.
{"hour": 1, "minute": 24}
